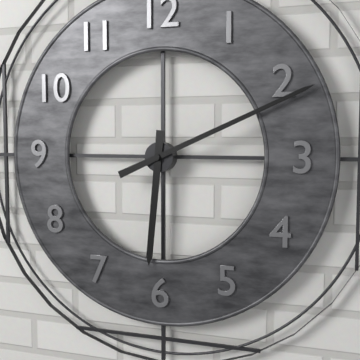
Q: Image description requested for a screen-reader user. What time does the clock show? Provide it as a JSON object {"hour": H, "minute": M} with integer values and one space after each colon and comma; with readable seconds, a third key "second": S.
{"hour": 6, "minute": 11}
